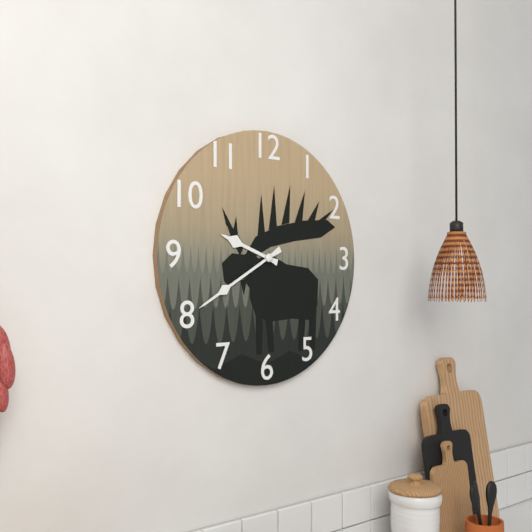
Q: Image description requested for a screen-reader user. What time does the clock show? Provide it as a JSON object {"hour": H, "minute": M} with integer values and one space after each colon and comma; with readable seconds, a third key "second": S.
{"hour": 9, "minute": 40}
